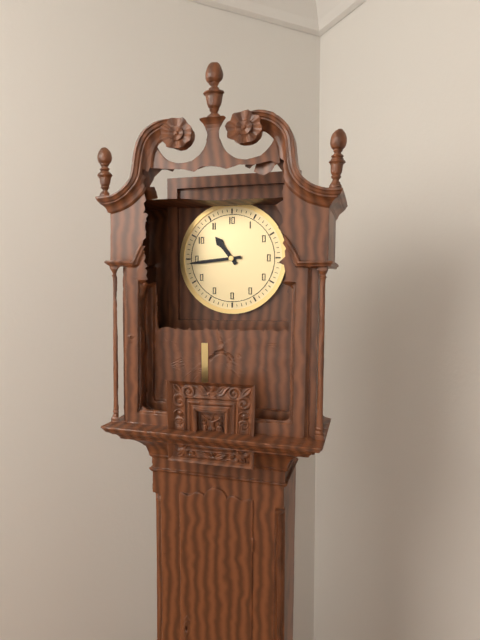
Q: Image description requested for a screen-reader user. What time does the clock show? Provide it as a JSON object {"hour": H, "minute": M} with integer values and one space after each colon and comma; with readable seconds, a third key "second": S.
{"hour": 10, "minute": 44}
